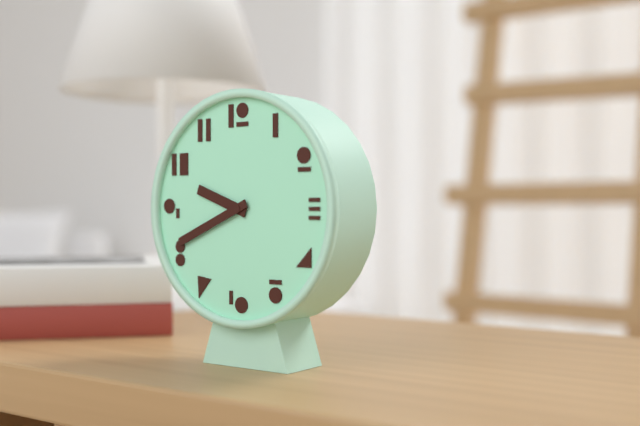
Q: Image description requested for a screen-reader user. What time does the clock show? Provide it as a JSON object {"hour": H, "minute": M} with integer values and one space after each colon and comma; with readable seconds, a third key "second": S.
{"hour": 9, "minute": 41}
